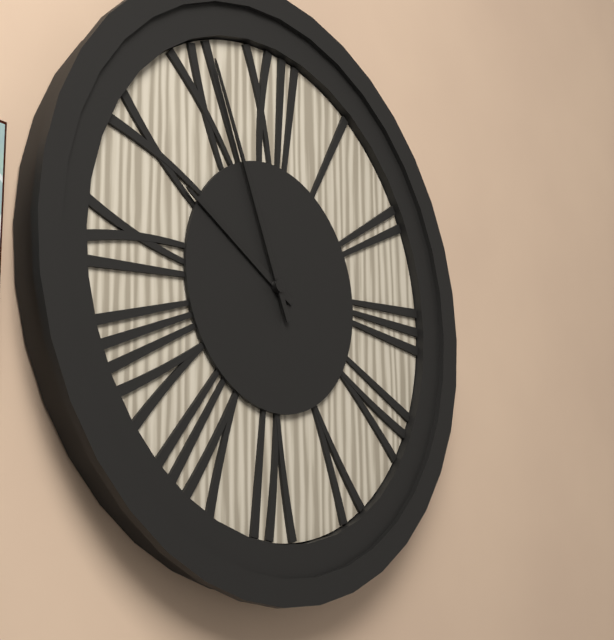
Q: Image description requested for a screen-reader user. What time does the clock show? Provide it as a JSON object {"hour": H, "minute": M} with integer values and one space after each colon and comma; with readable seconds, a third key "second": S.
{"hour": 9, "minute": 56}
